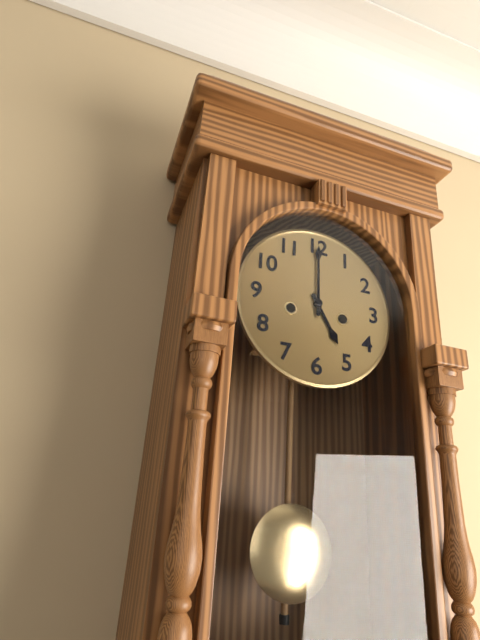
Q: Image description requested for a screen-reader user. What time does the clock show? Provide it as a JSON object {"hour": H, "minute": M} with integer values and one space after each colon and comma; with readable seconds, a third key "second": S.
{"hour": 5, "minute": 0}
